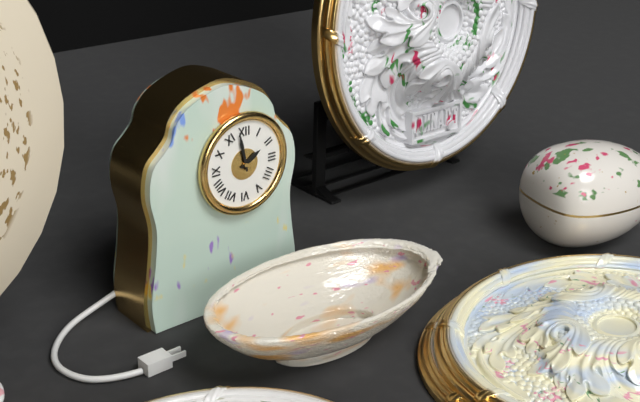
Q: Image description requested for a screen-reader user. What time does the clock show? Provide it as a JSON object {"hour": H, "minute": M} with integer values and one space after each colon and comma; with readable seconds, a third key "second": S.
{"hour": 1, "minute": 58}
